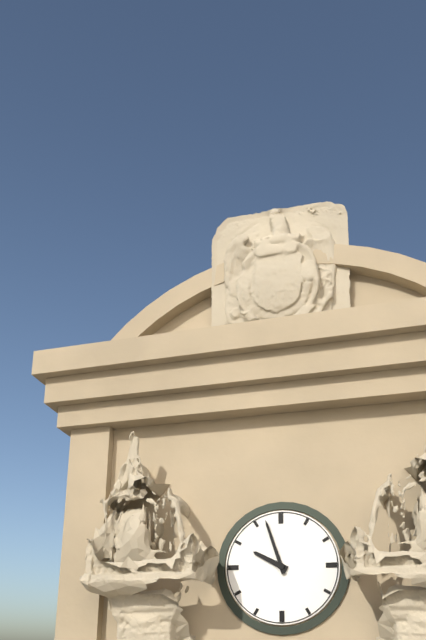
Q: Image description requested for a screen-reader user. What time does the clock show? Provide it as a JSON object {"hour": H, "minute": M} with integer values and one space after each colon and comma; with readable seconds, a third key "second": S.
{"hour": 9, "minute": 57}
